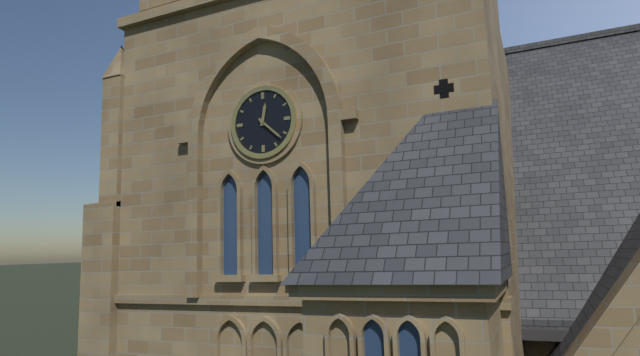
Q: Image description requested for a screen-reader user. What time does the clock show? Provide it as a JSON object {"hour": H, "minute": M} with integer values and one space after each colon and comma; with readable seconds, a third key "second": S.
{"hour": 12, "minute": 22}
